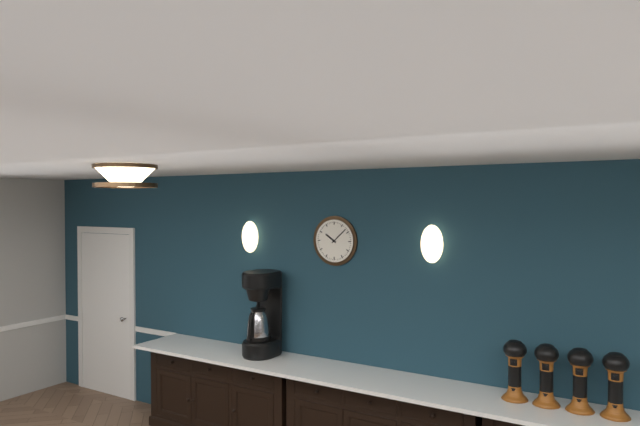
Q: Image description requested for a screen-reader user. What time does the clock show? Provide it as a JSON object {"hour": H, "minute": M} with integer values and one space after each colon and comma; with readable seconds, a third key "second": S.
{"hour": 10, "minute": 8}
